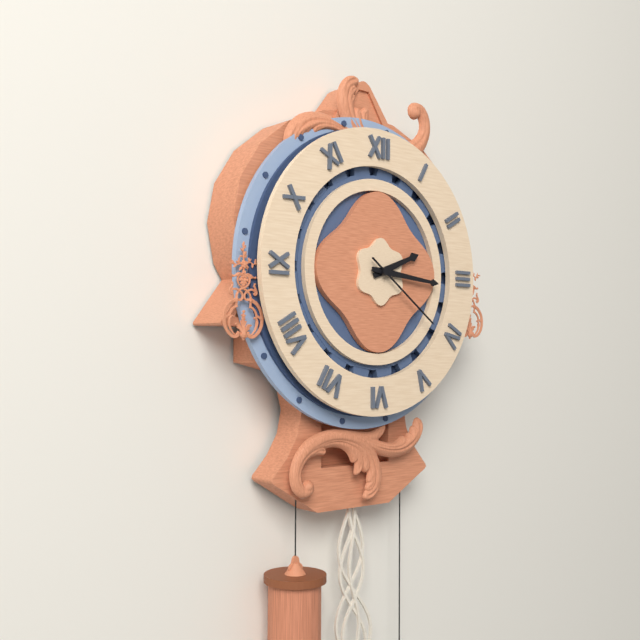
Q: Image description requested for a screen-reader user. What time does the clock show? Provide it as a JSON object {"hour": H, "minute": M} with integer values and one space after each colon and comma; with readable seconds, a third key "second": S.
{"hour": 2, "minute": 16, "second": 21}
